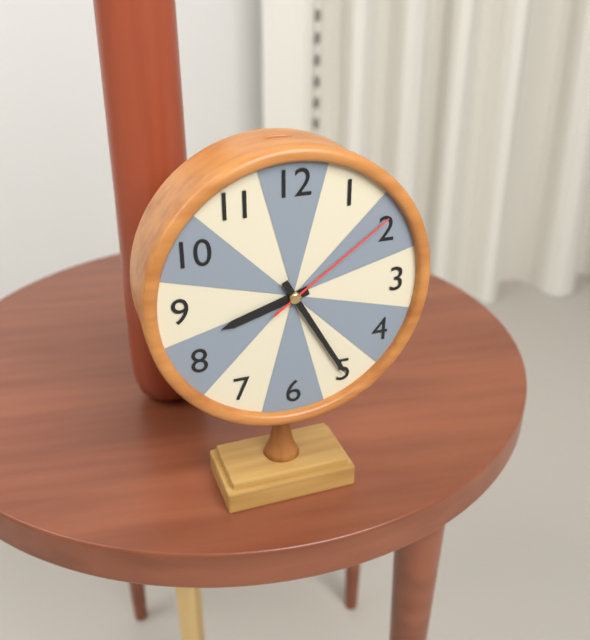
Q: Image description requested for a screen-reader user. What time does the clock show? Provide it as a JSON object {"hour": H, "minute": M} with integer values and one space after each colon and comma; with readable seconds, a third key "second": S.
{"hour": 8, "minute": 25, "second": 9}
